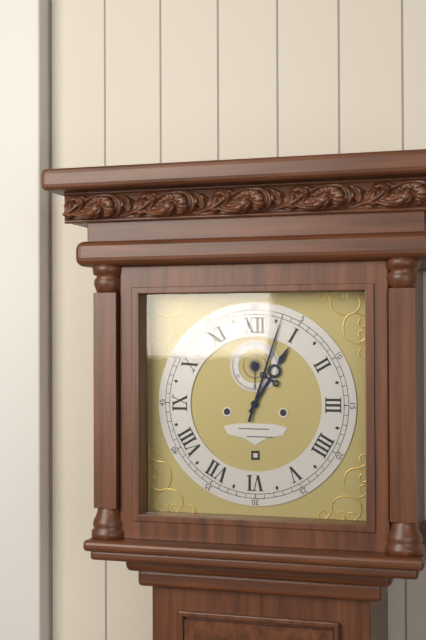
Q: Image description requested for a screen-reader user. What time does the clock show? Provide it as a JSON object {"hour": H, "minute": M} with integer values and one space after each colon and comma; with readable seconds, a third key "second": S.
{"hour": 1, "minute": 3}
